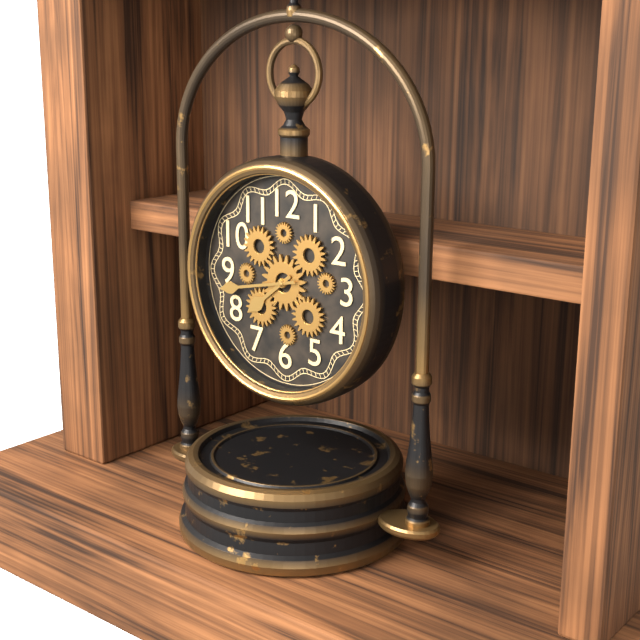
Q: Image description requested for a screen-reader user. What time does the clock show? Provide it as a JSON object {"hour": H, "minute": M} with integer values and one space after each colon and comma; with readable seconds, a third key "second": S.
{"hour": 7, "minute": 43}
